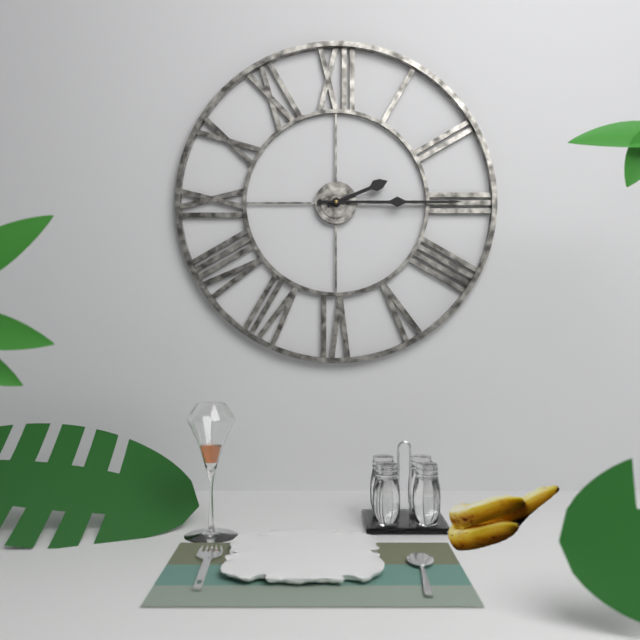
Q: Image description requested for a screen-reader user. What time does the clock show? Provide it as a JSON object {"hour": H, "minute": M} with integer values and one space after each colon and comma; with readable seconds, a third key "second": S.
{"hour": 2, "minute": 15}
